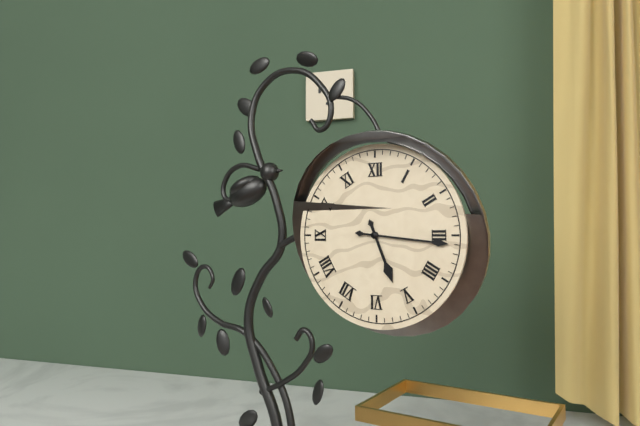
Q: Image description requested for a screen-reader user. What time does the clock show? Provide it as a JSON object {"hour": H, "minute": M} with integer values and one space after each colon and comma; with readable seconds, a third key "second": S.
{"hour": 5, "minute": 16}
